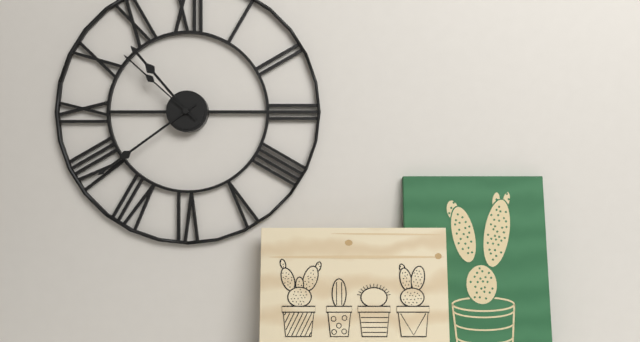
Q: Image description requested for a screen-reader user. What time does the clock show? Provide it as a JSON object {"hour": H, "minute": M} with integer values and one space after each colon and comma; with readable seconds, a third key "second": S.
{"hour": 10, "minute": 39, "second": 52}
